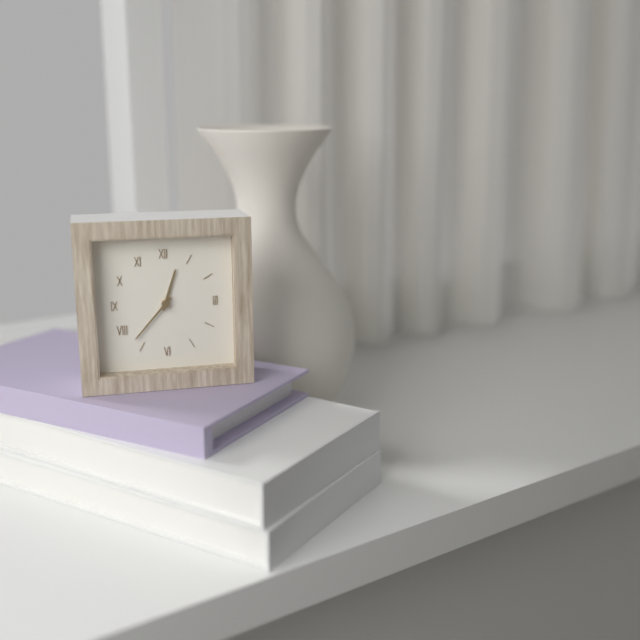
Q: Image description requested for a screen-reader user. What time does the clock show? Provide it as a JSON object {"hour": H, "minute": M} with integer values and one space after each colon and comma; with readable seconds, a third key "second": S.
{"hour": 12, "minute": 37}
